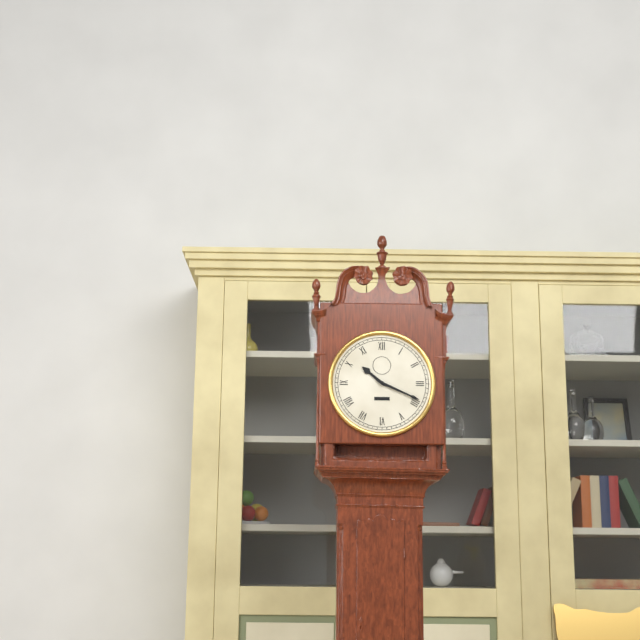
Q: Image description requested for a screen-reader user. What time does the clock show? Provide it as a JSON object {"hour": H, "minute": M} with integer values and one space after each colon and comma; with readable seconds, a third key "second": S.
{"hour": 10, "minute": 19}
